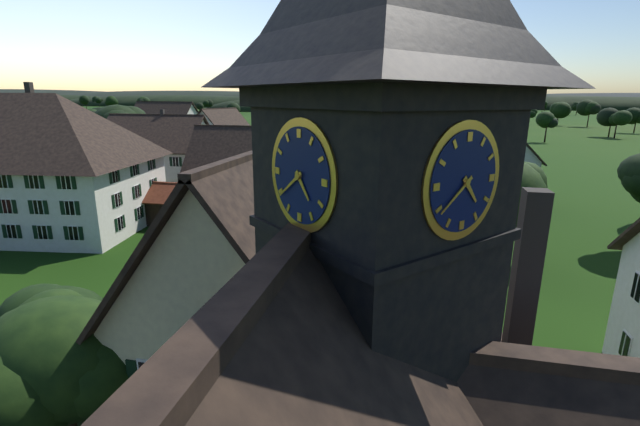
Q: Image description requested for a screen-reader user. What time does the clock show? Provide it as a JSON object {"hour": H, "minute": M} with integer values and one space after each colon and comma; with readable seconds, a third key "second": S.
{"hour": 4, "minute": 39}
